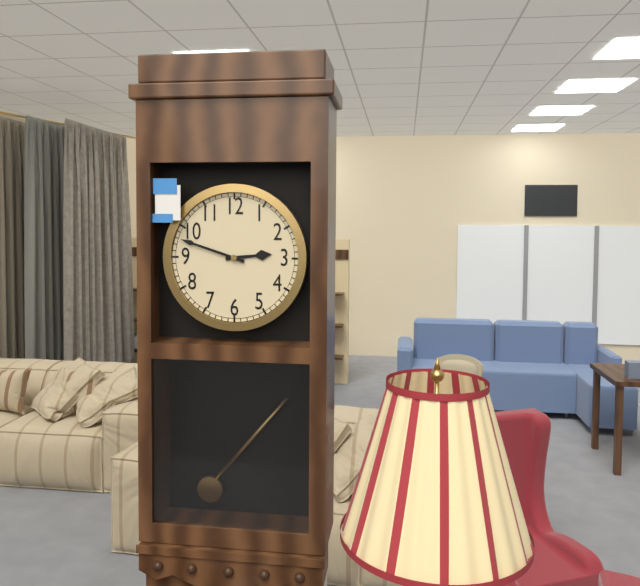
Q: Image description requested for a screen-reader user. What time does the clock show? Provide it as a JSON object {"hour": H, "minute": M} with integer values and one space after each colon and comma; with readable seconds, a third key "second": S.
{"hour": 2, "minute": 48}
